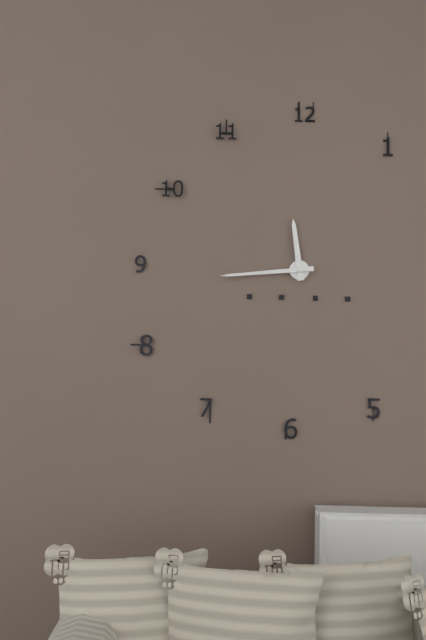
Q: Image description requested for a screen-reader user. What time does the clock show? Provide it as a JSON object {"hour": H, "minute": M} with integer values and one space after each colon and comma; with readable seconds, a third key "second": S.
{"hour": 11, "minute": 44}
